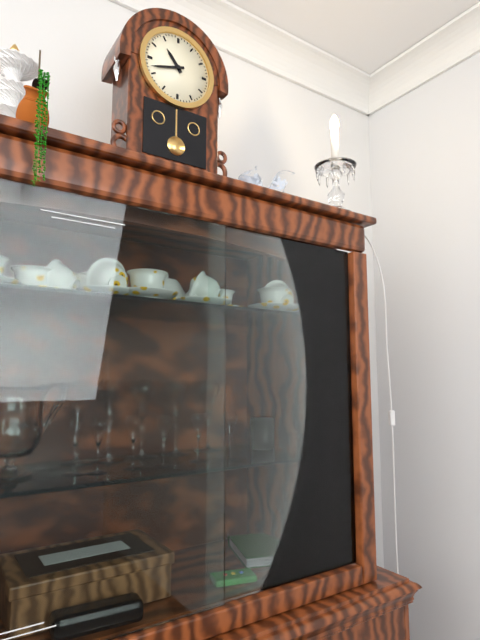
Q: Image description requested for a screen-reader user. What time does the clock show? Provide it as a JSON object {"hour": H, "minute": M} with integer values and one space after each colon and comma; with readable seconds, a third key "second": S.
{"hour": 10, "minute": 42}
